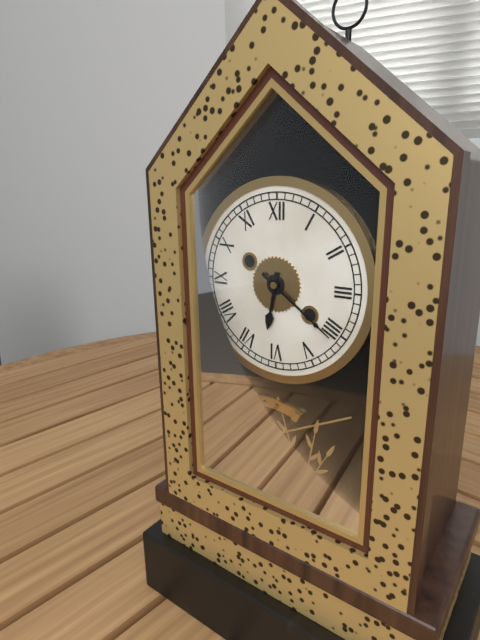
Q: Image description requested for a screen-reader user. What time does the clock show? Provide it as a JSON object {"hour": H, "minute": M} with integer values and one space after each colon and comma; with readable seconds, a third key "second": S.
{"hour": 6, "minute": 21}
